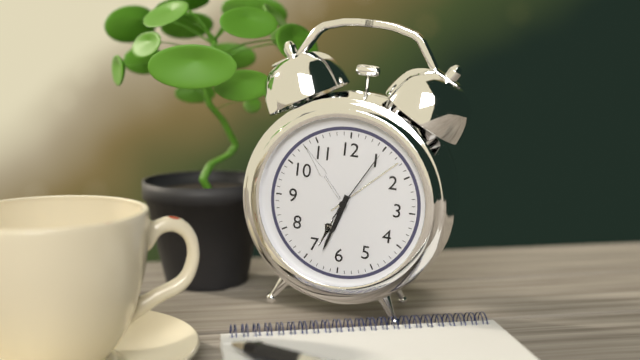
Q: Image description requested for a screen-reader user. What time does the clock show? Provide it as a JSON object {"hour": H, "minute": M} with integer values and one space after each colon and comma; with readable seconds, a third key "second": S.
{"hour": 6, "minute": 33, "second": 5}
